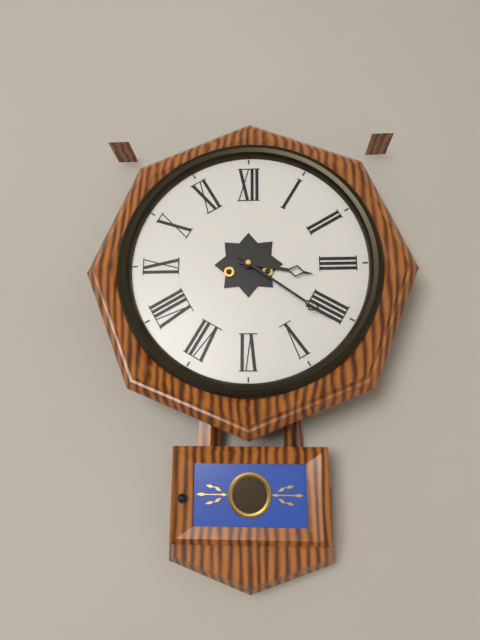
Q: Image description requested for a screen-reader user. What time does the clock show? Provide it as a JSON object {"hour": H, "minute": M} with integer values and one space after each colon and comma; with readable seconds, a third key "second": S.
{"hour": 3, "minute": 21}
